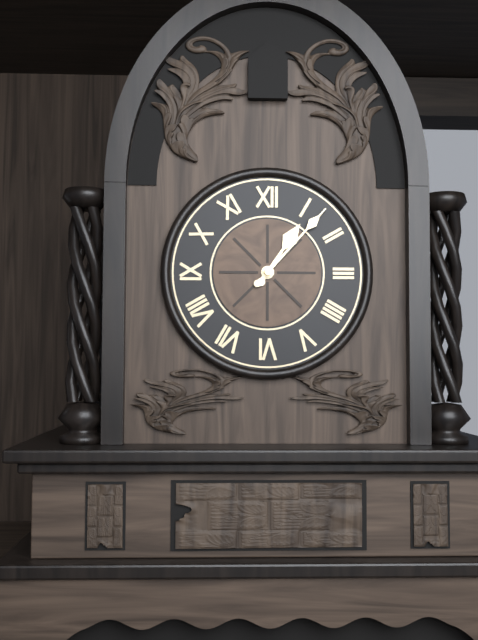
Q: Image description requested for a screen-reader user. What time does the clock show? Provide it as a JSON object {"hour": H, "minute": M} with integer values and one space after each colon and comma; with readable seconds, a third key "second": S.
{"hour": 1, "minute": 7}
